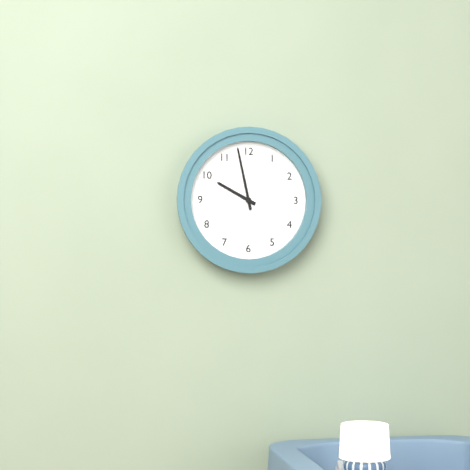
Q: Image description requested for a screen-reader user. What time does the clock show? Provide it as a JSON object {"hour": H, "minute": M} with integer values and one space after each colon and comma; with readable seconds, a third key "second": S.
{"hour": 9, "minute": 58}
